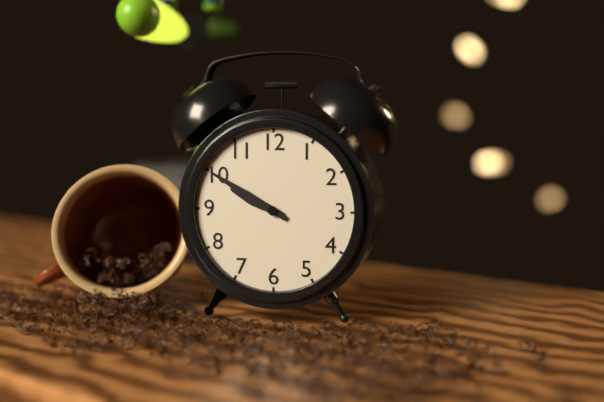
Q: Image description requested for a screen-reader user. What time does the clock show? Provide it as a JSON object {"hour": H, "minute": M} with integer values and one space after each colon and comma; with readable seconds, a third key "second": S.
{"hour": 9, "minute": 50}
